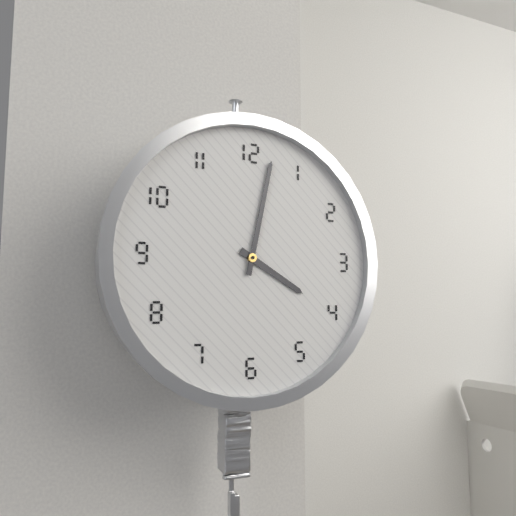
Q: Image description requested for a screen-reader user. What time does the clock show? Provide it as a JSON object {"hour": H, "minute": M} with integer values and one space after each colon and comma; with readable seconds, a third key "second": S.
{"hour": 4, "minute": 2}
